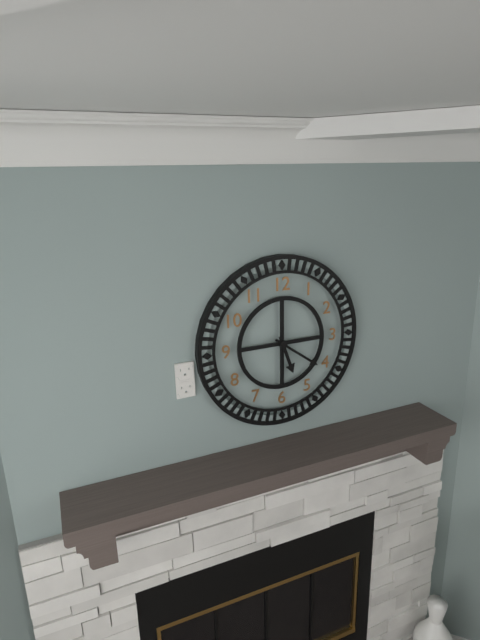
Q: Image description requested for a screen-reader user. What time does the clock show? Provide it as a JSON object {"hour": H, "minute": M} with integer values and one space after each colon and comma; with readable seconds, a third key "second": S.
{"hour": 5, "minute": 21}
